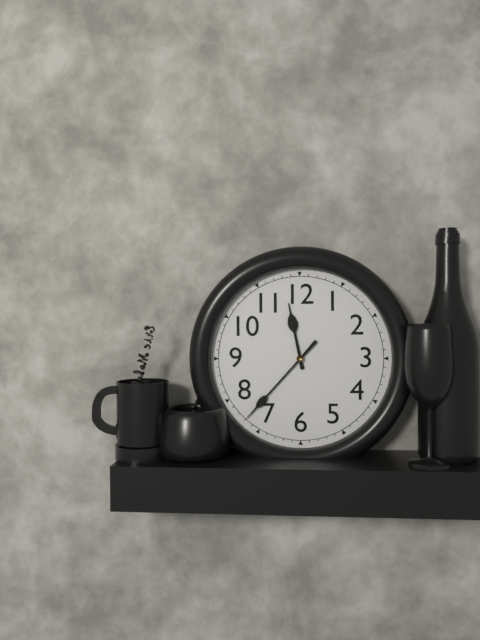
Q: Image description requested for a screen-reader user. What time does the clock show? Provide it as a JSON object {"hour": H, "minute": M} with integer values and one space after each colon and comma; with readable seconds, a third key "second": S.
{"hour": 11, "minute": 37}
